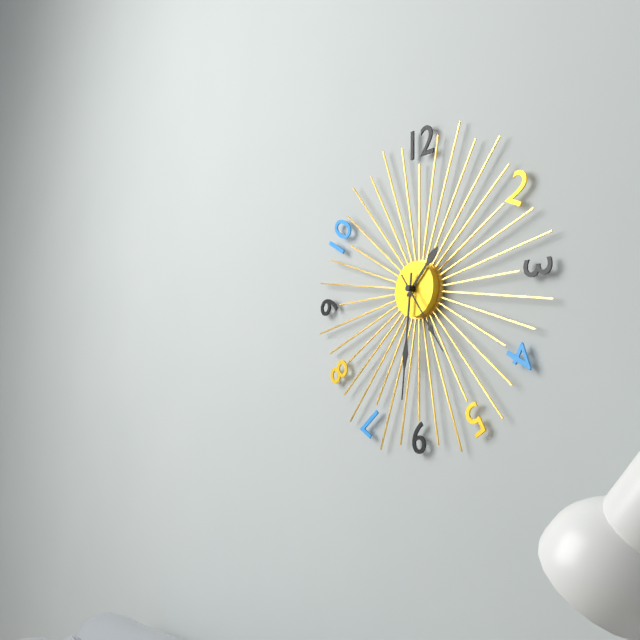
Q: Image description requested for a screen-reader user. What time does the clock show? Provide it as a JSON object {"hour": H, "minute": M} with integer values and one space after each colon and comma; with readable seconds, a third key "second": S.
{"hour": 1, "minute": 31, "second": 24}
